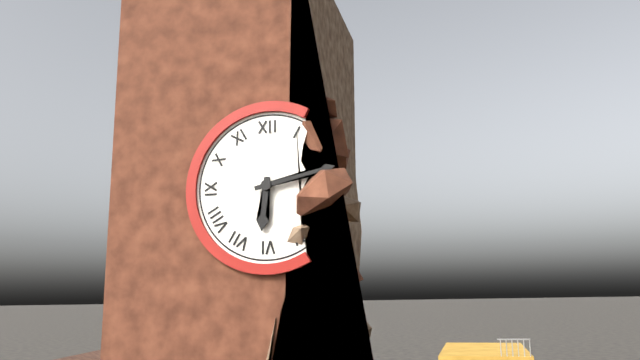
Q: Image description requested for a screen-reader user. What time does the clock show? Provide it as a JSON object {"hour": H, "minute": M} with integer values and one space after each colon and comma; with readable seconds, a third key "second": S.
{"hour": 6, "minute": 13}
